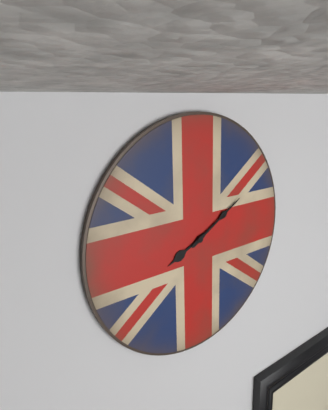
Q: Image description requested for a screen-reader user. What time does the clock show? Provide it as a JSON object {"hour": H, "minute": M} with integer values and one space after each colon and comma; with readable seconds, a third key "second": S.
{"hour": 8, "minute": 10}
